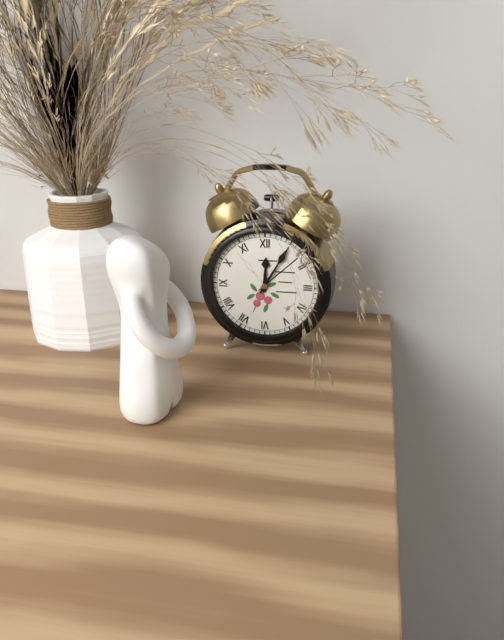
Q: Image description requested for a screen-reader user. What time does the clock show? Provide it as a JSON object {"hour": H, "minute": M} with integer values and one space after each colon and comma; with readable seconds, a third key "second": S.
{"hour": 12, "minute": 5}
